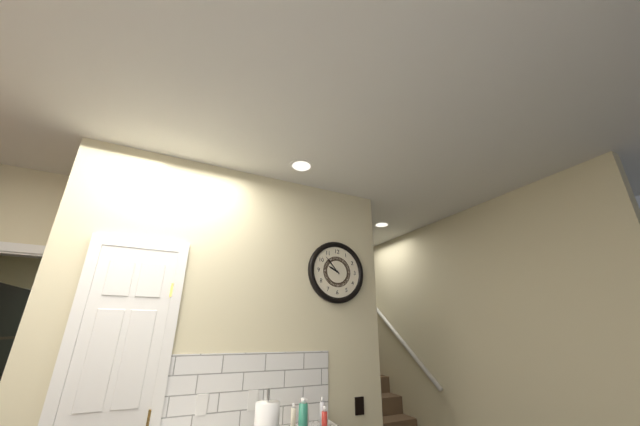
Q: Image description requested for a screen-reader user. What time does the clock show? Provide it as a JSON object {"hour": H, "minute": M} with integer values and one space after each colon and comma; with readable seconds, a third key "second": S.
{"hour": 9, "minute": 53}
